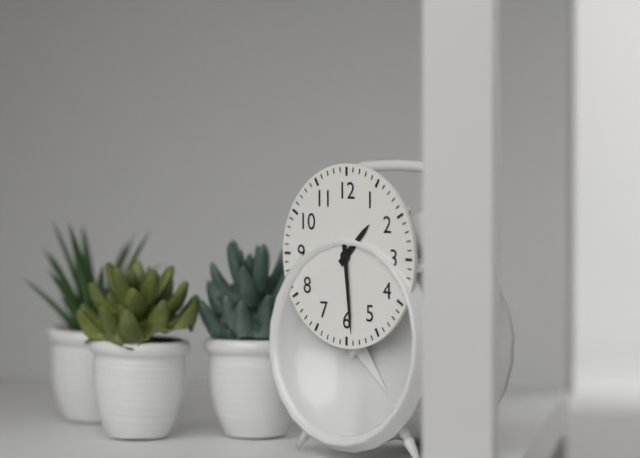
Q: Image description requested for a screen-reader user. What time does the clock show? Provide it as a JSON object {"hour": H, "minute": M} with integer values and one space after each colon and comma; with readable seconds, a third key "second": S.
{"hour": 1, "minute": 29}
